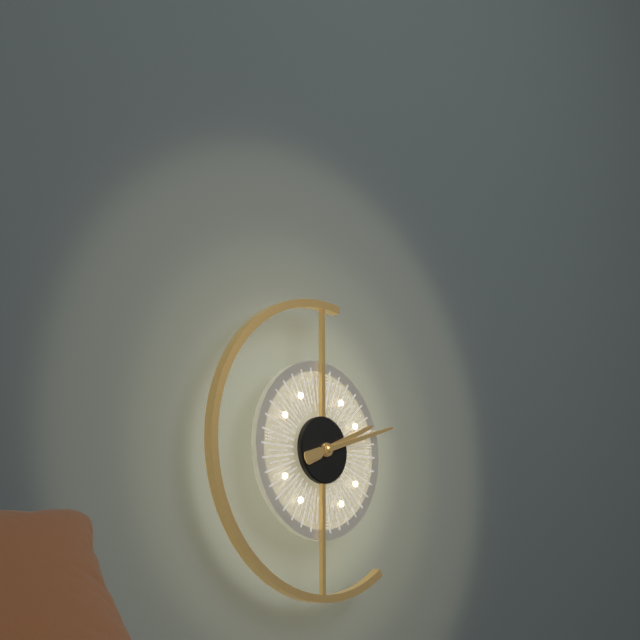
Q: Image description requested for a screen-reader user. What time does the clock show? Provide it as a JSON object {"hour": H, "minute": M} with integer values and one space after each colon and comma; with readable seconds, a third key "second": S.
{"hour": 2, "minute": 12}
